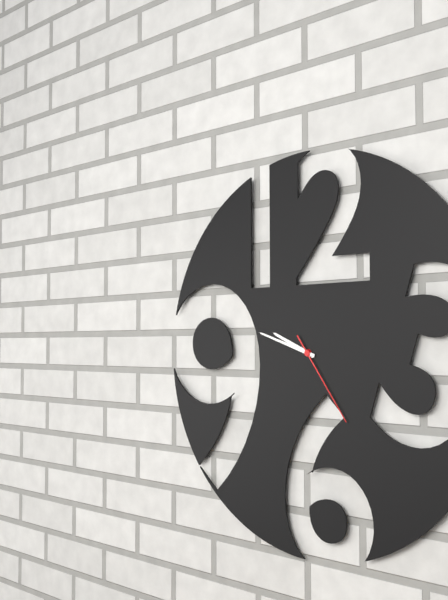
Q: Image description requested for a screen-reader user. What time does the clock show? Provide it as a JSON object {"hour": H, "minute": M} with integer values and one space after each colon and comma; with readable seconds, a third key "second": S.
{"hour": 9, "minute": 48, "second": 24}
